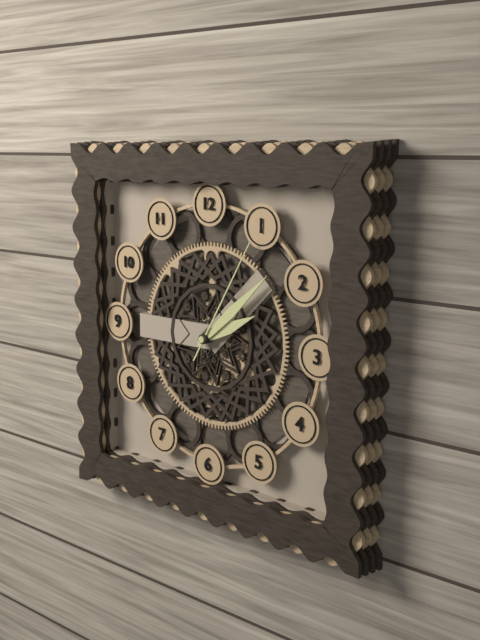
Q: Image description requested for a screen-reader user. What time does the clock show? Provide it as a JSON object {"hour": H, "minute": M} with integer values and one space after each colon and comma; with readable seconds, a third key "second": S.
{"hour": 2, "minute": 8, "second": 5}
